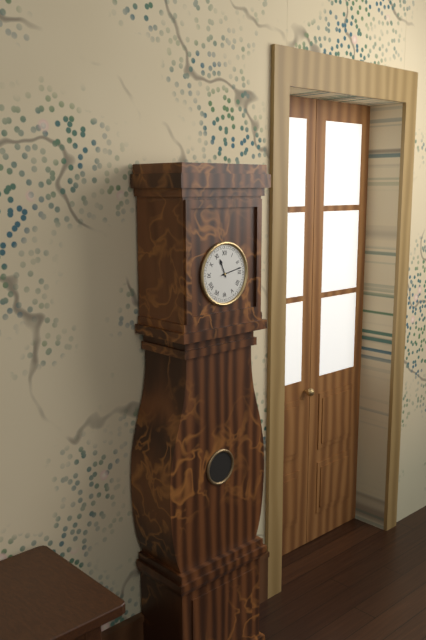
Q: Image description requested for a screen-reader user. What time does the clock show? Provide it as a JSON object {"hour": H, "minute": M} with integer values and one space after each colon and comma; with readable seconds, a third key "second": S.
{"hour": 11, "minute": 13}
